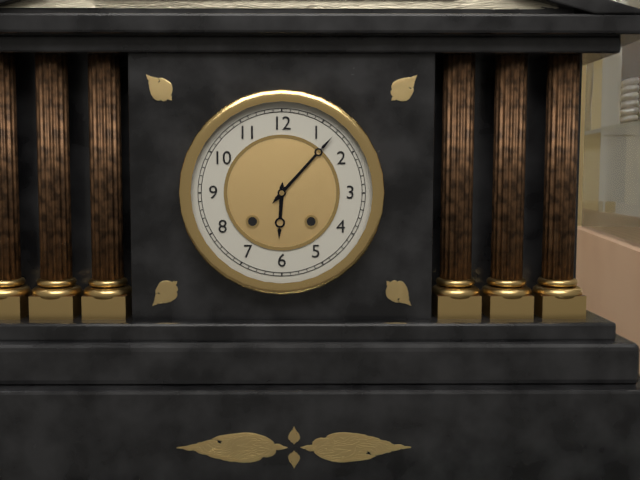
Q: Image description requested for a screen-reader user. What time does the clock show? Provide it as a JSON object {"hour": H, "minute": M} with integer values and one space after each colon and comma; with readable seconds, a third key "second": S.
{"hour": 6, "minute": 7}
